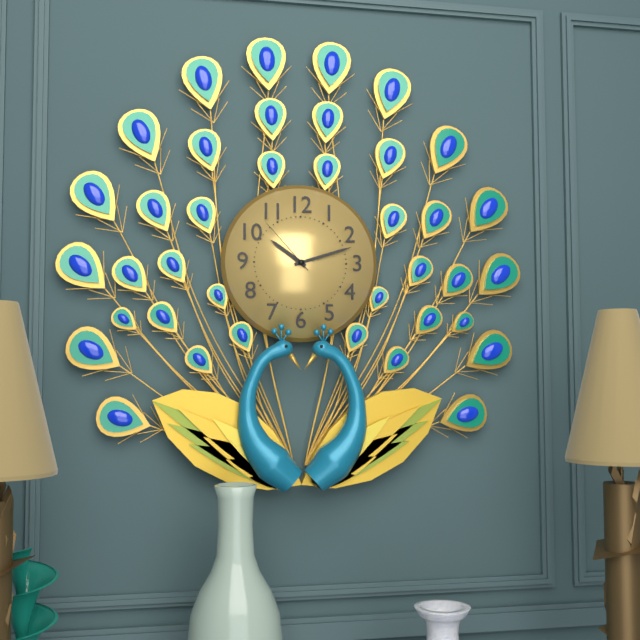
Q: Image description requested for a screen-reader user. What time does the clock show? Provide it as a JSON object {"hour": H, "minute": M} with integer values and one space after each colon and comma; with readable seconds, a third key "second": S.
{"hour": 10, "minute": 12, "second": 53}
